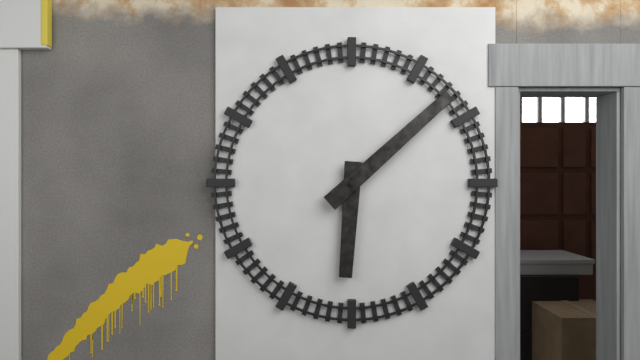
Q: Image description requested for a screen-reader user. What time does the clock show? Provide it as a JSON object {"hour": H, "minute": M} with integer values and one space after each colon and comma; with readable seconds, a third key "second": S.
{"hour": 6, "minute": 8}
